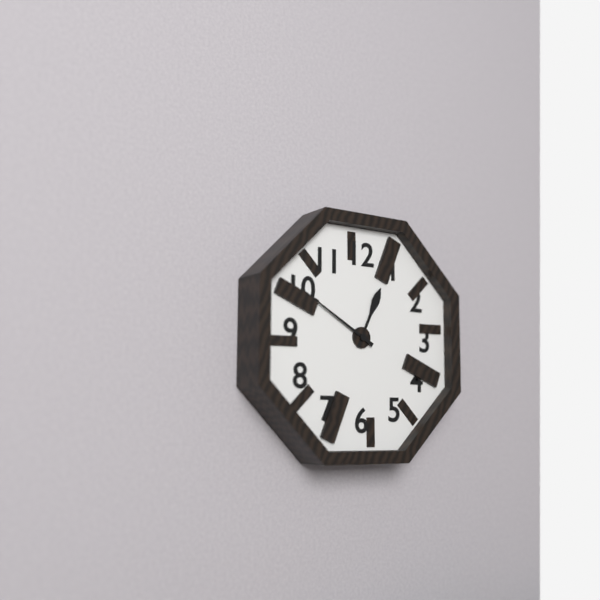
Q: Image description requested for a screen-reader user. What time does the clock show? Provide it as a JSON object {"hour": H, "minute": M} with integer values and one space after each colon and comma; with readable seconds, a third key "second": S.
{"hour": 12, "minute": 50}
